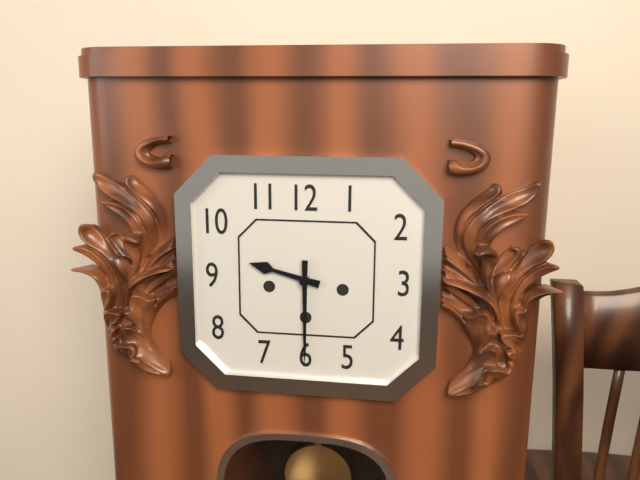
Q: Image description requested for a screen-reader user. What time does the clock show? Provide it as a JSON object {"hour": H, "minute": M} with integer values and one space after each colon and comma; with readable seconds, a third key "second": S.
{"hour": 9, "minute": 30}
